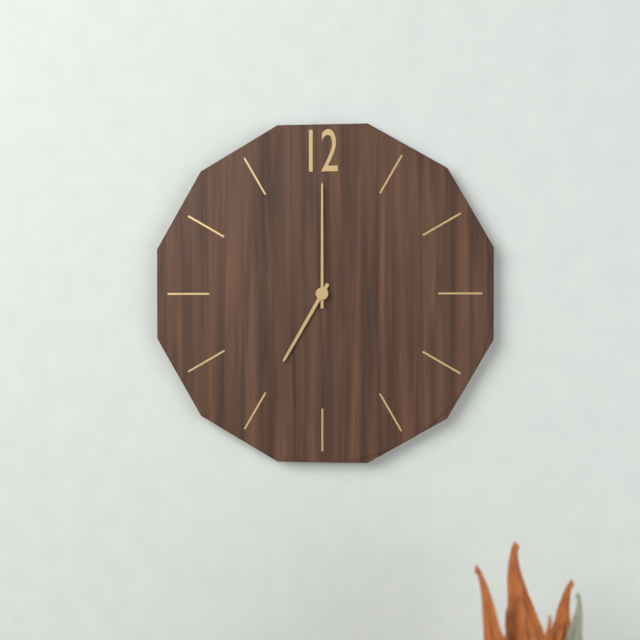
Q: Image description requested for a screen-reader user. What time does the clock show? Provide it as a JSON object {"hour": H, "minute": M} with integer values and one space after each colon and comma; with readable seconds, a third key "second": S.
{"hour": 7, "minute": 0}
